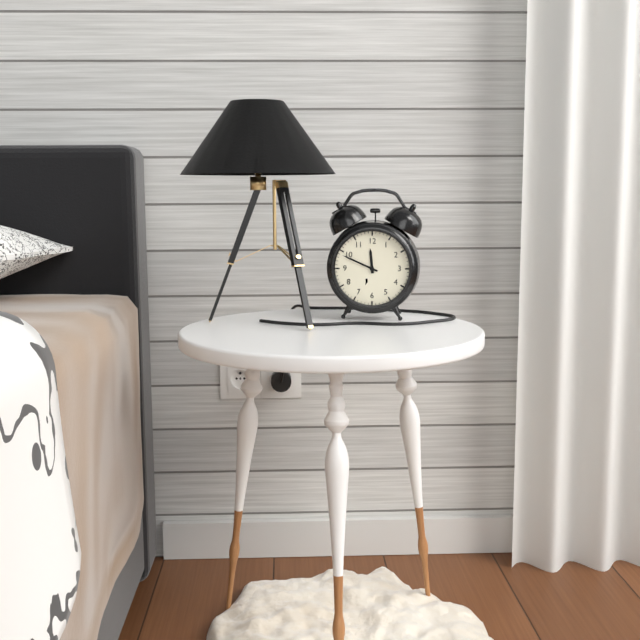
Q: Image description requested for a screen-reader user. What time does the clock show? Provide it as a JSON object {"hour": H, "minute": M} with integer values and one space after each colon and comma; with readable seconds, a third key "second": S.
{"hour": 11, "minute": 49}
